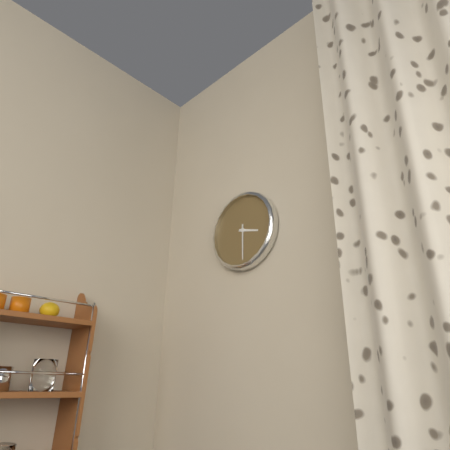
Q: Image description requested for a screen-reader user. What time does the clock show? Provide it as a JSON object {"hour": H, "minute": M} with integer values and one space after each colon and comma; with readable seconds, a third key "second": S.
{"hour": 3, "minute": 30}
